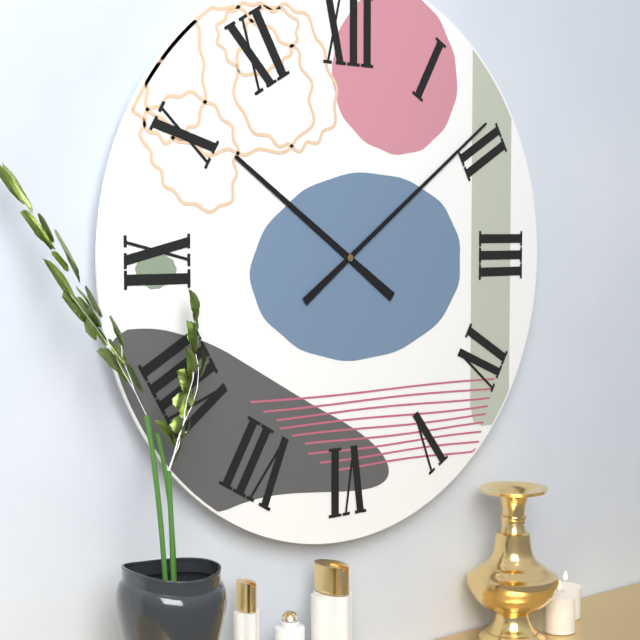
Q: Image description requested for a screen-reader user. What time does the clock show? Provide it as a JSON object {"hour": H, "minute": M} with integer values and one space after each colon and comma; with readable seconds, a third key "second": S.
{"hour": 10, "minute": 9}
